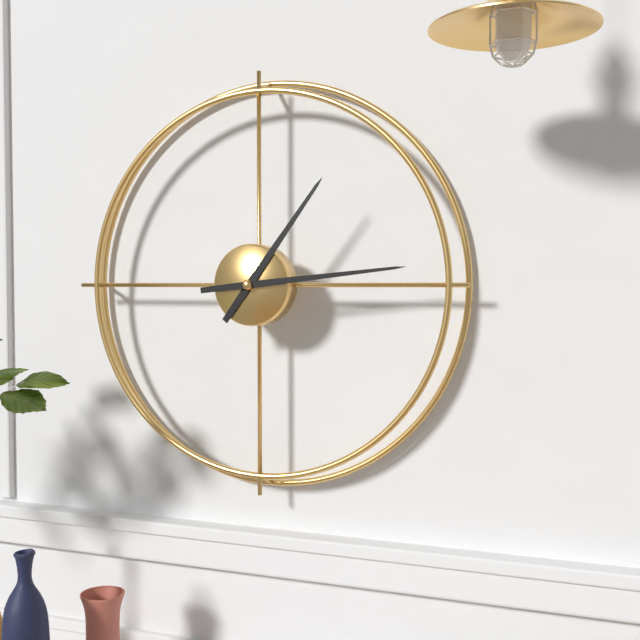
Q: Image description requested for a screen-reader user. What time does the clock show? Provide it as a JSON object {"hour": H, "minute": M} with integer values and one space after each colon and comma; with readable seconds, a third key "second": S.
{"hour": 1, "minute": 14}
